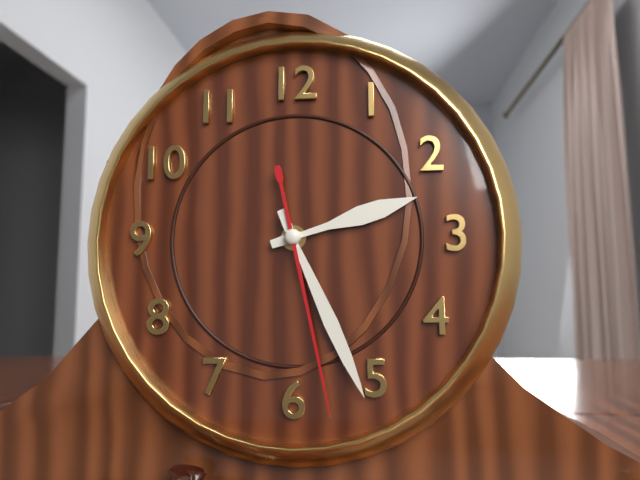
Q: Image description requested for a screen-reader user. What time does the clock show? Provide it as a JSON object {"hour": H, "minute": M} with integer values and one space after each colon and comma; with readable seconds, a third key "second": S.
{"hour": 2, "minute": 26, "second": 28}
